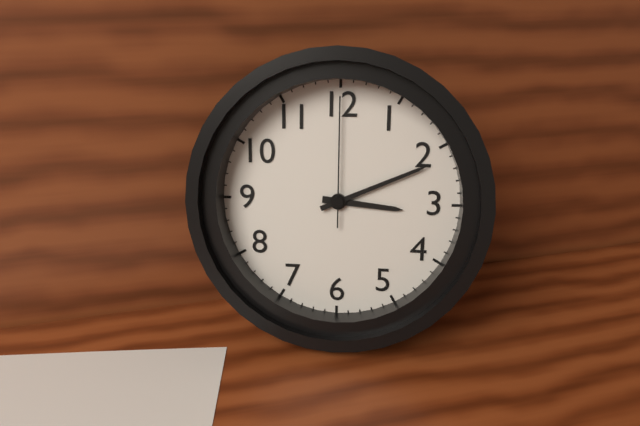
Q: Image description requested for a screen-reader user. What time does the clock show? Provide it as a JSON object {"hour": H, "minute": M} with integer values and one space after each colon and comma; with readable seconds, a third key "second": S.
{"hour": 3, "minute": 11, "second": 0}
